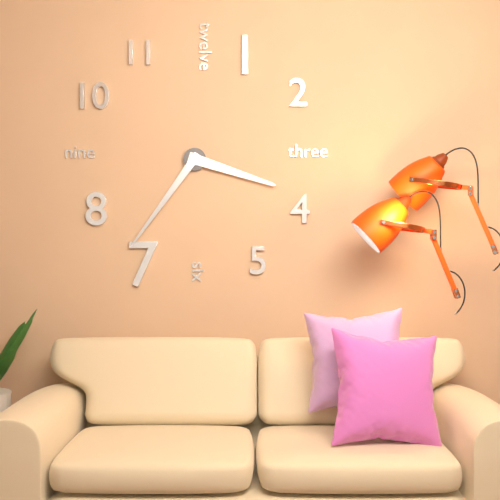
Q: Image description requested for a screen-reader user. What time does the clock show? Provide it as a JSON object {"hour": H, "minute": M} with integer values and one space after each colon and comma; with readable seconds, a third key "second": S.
{"hour": 3, "minute": 36}
